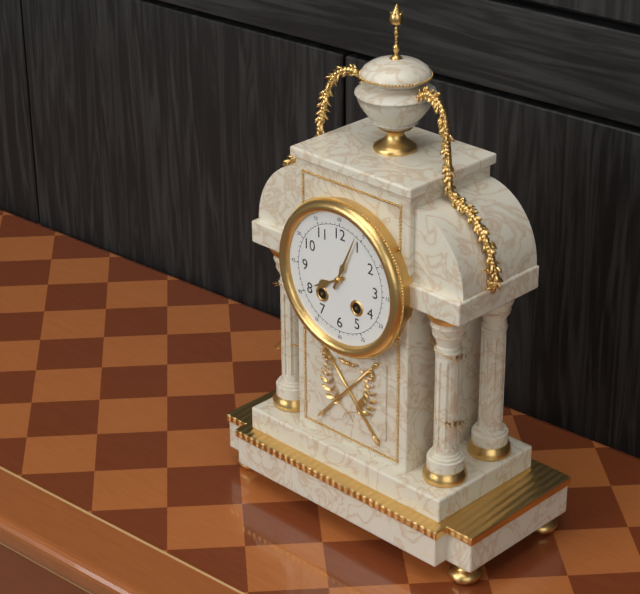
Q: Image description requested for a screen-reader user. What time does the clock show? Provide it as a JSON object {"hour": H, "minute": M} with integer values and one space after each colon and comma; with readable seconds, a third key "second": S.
{"hour": 8, "minute": 4}
